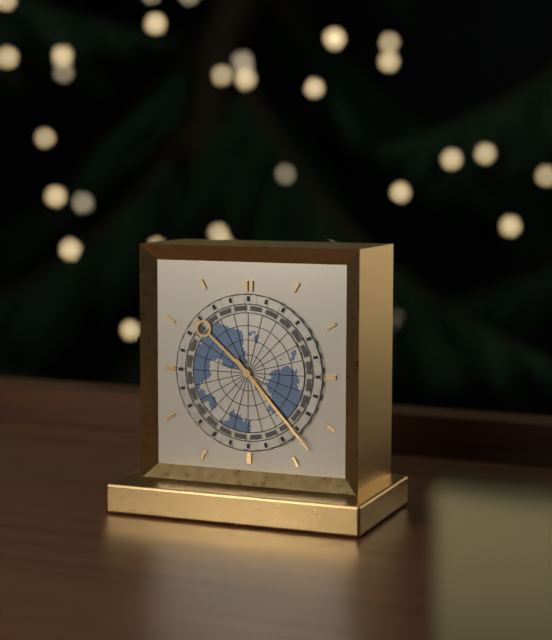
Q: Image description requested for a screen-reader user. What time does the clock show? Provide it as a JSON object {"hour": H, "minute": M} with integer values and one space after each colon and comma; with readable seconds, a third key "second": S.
{"hour": 10, "minute": 23}
